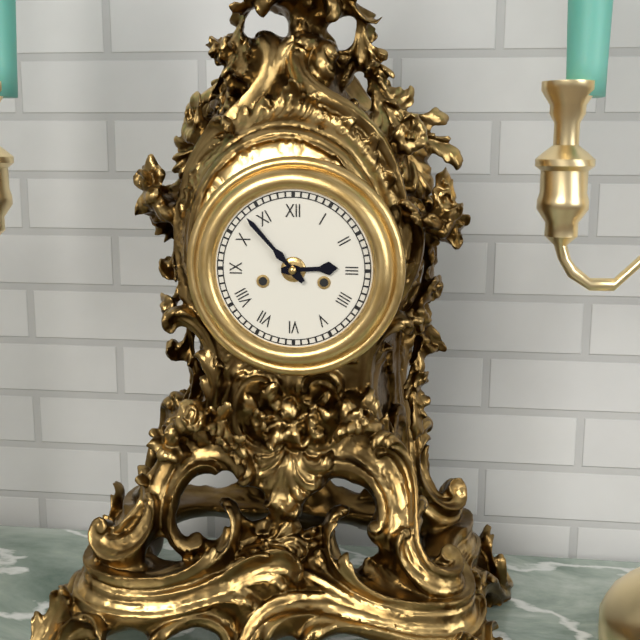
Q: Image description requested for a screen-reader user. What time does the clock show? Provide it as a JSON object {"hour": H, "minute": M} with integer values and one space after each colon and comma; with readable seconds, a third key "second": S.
{"hour": 2, "minute": 53}
